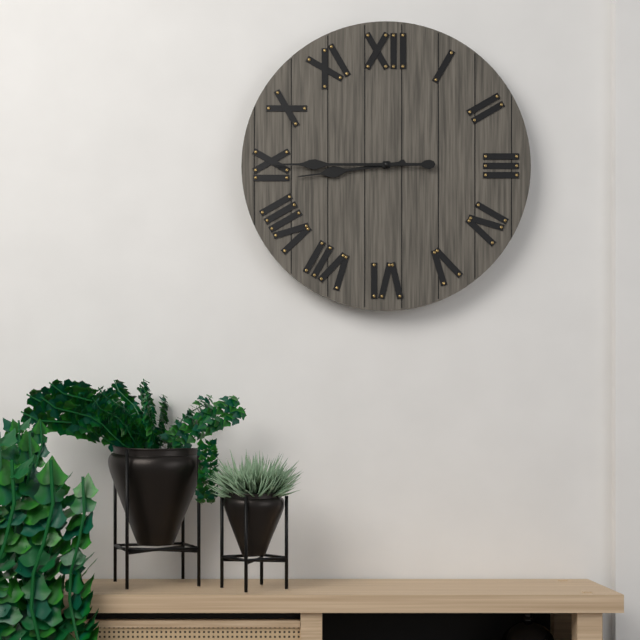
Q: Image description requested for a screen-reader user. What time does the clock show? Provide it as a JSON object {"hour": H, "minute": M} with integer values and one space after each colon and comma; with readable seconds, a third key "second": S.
{"hour": 8, "minute": 45}
